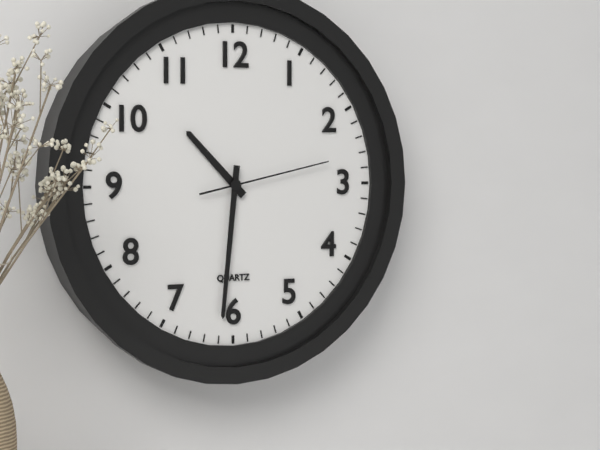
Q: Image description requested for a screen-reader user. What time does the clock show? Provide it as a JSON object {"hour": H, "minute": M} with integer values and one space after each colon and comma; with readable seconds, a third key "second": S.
{"hour": 10, "minute": 31, "second": 13}
